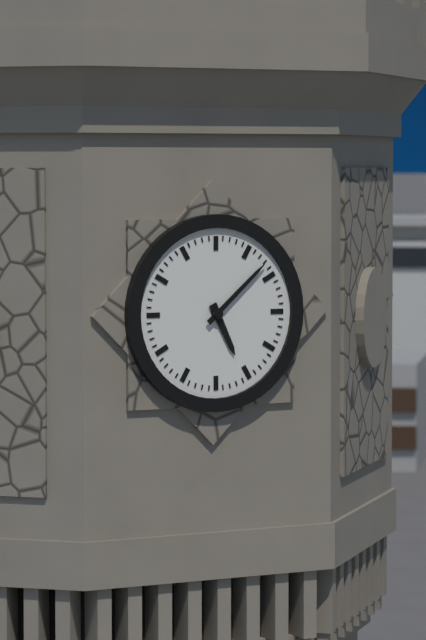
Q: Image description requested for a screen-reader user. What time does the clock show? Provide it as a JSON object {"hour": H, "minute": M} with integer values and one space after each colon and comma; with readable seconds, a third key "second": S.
{"hour": 5, "minute": 8}
